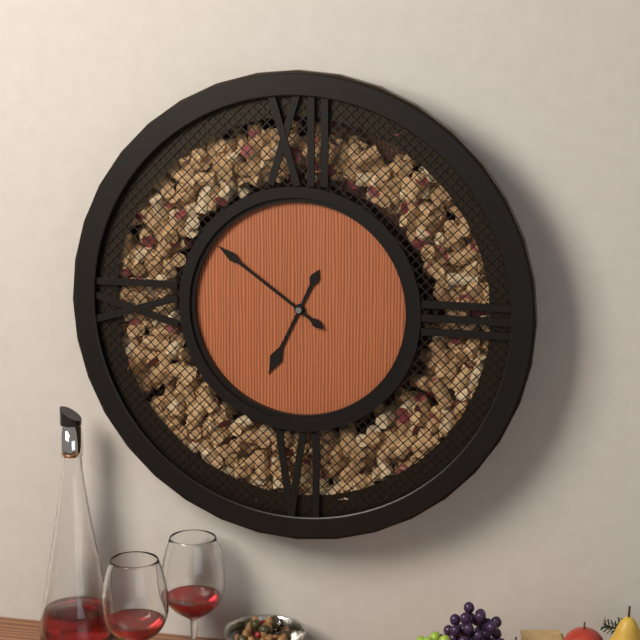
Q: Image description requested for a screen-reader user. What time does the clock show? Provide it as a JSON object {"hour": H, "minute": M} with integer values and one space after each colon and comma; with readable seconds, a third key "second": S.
{"hour": 6, "minute": 51}
